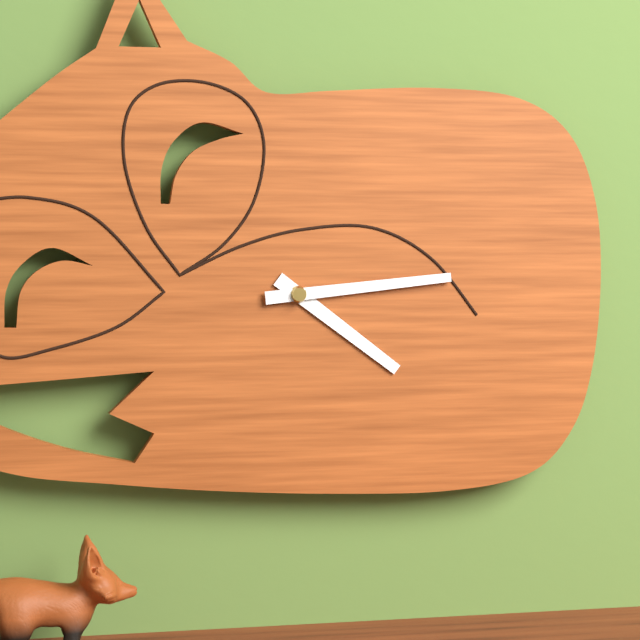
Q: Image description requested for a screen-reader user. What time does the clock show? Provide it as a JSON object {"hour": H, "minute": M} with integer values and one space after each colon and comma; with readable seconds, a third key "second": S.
{"hour": 4, "minute": 14}
